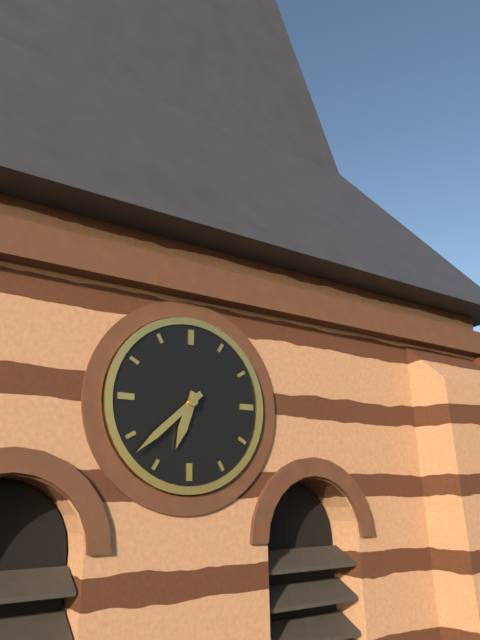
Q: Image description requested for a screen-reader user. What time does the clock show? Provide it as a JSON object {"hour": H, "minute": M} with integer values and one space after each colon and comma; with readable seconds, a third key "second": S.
{"hour": 6, "minute": 38}
